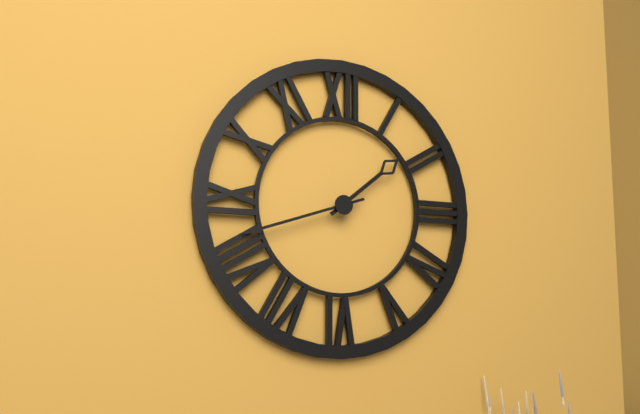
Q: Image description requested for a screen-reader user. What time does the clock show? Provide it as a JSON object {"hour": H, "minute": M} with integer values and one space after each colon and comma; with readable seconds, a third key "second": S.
{"hour": 1, "minute": 42}
